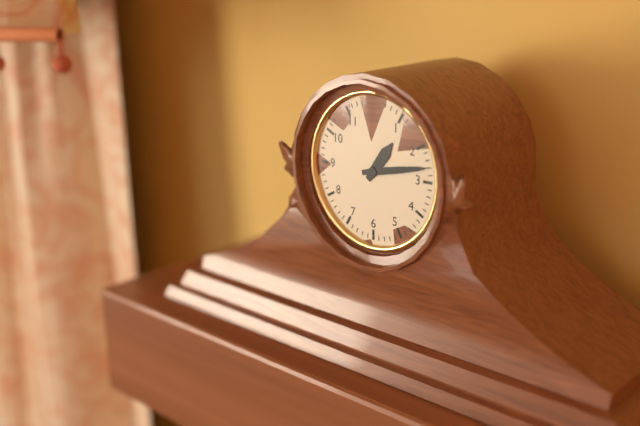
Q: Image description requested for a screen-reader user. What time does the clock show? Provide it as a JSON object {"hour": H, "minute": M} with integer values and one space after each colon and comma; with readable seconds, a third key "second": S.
{"hour": 1, "minute": 13}
